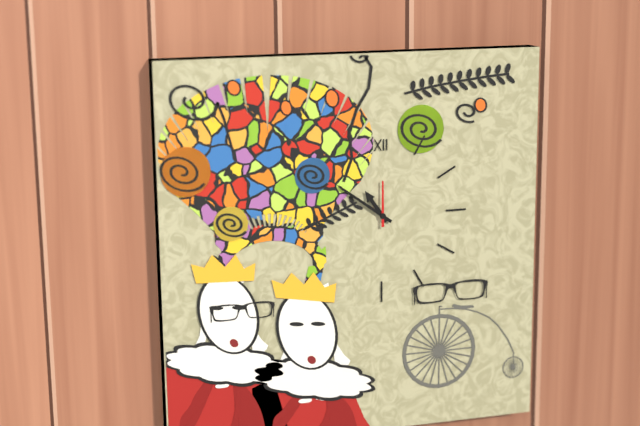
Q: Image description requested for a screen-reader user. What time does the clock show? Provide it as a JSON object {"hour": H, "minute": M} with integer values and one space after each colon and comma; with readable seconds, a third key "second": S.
{"hour": 10, "minute": 51}
